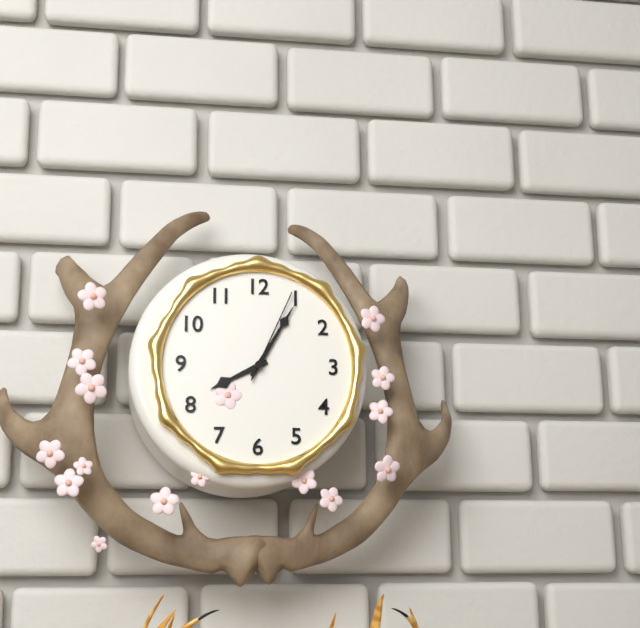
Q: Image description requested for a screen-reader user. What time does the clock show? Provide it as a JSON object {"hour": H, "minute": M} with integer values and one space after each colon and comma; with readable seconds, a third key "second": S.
{"hour": 8, "minute": 5, "second": 4}
